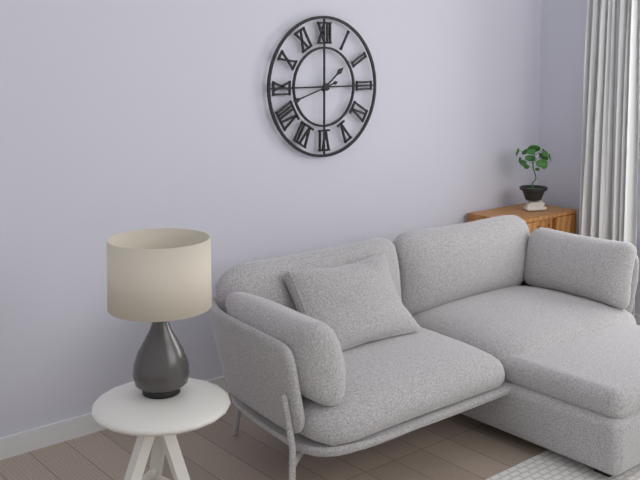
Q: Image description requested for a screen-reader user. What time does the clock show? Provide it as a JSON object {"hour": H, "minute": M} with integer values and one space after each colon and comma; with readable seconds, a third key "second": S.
{"hour": 1, "minute": 42}
